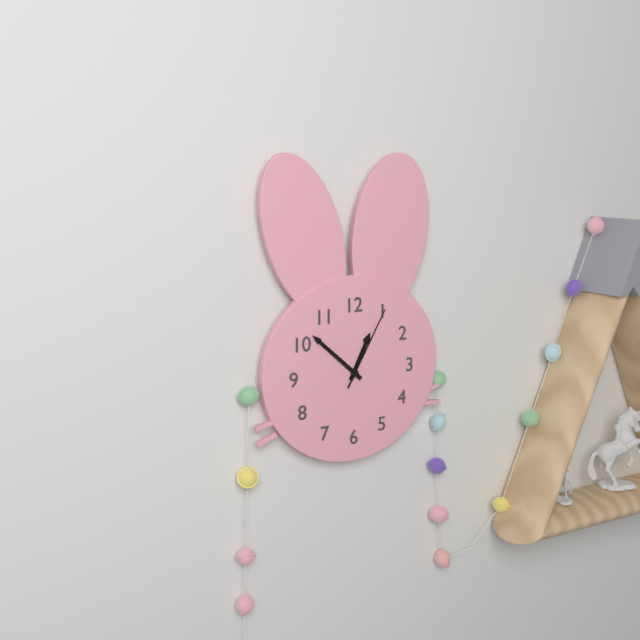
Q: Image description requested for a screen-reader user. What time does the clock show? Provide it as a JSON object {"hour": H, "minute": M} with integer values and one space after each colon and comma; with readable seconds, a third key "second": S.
{"hour": 12, "minute": 52, "second": 5}
